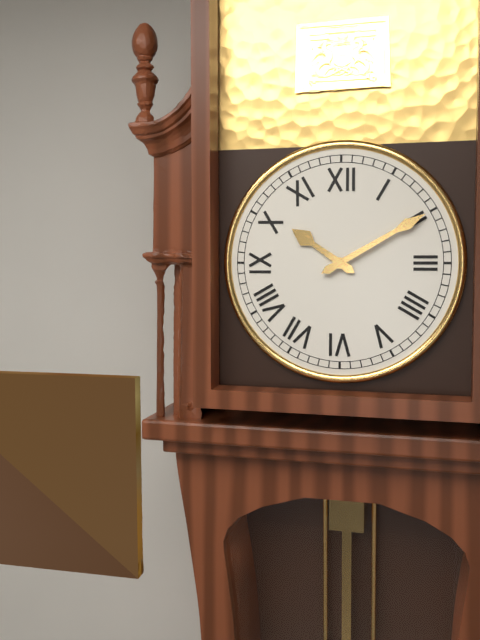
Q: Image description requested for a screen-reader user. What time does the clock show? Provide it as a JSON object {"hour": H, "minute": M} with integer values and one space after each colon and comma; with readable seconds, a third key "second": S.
{"hour": 10, "minute": 10}
